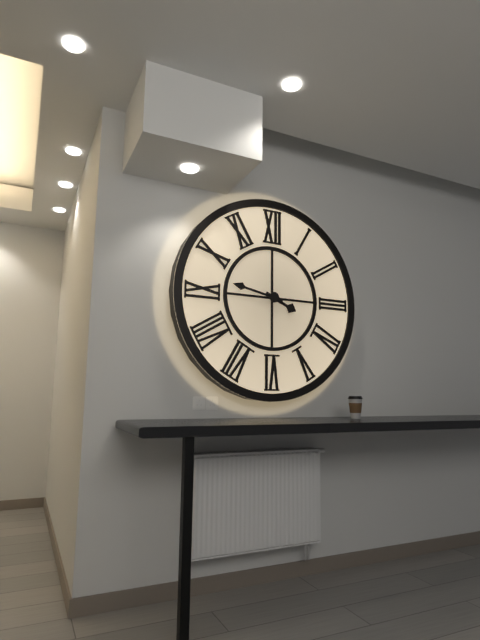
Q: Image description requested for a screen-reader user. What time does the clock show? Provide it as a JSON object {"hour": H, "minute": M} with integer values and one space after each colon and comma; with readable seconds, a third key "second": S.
{"hour": 3, "minute": 47}
